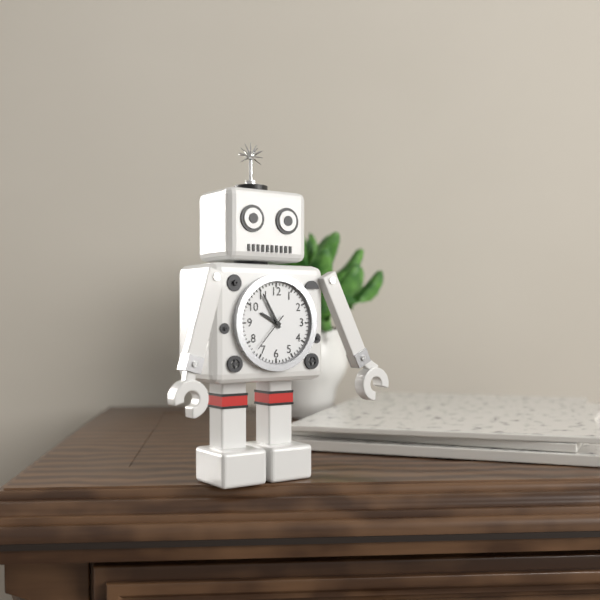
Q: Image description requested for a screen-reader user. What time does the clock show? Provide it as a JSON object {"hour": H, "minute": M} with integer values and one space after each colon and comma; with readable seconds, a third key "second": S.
{"hour": 9, "minute": 55}
